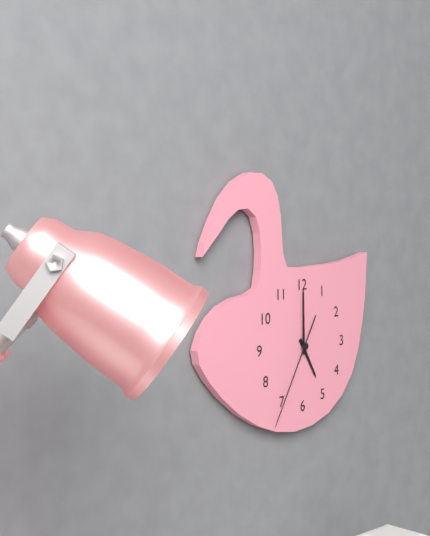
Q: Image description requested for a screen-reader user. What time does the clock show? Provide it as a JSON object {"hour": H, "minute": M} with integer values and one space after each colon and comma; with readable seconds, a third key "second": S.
{"hour": 5, "minute": 0, "second": 35}
